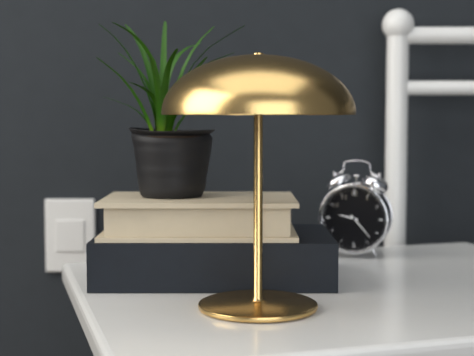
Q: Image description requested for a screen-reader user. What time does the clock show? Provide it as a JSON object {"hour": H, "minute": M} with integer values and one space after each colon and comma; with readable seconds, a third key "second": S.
{"hour": 9, "minute": 23}
